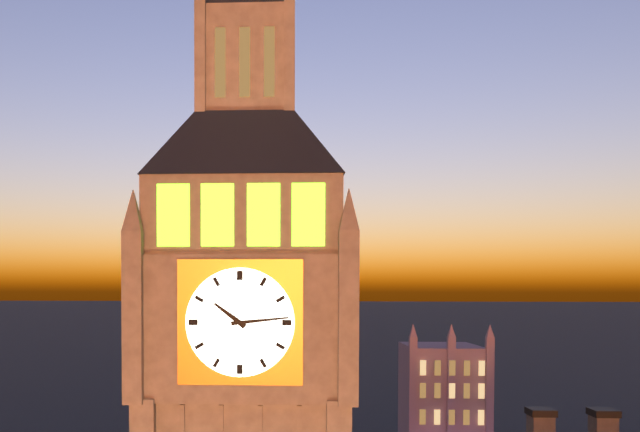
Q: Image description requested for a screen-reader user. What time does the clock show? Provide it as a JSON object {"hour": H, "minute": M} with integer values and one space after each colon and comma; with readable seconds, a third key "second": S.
{"hour": 10, "minute": 14}
